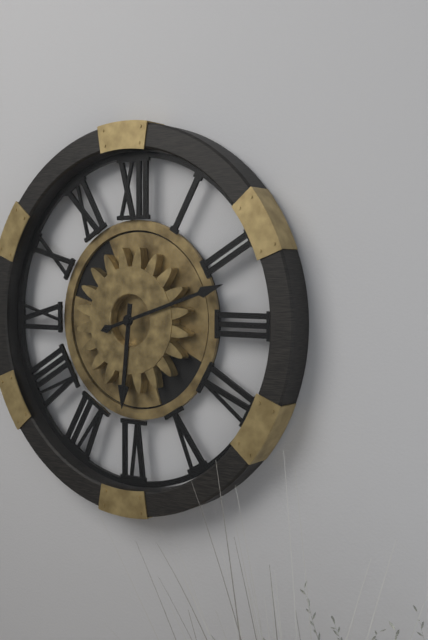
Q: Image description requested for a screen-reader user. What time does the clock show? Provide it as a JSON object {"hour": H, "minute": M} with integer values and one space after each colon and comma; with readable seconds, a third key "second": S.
{"hour": 6, "minute": 12}
